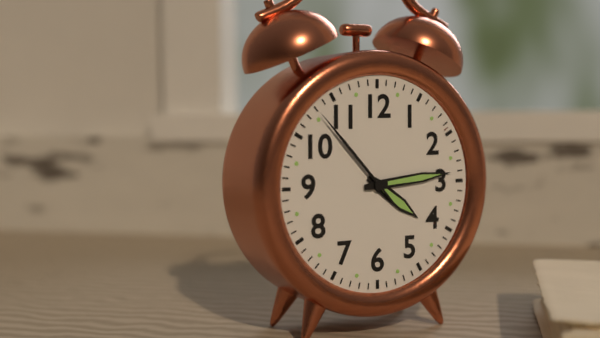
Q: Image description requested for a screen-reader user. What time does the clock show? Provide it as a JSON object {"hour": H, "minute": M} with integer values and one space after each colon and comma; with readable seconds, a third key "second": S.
{"hour": 4, "minute": 14, "second": 53}
